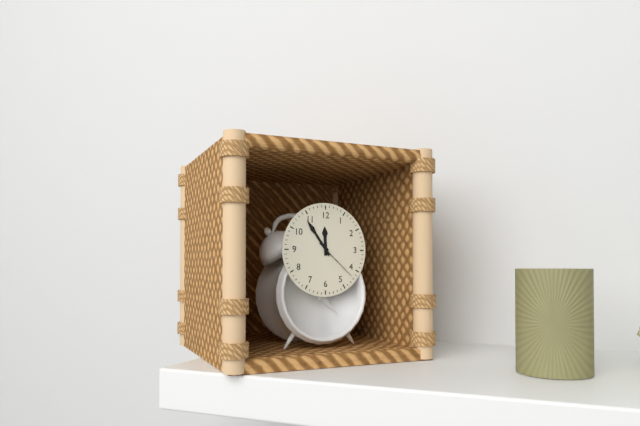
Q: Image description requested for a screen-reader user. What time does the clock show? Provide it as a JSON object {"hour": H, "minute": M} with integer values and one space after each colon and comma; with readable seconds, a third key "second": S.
{"hour": 11, "minute": 54}
